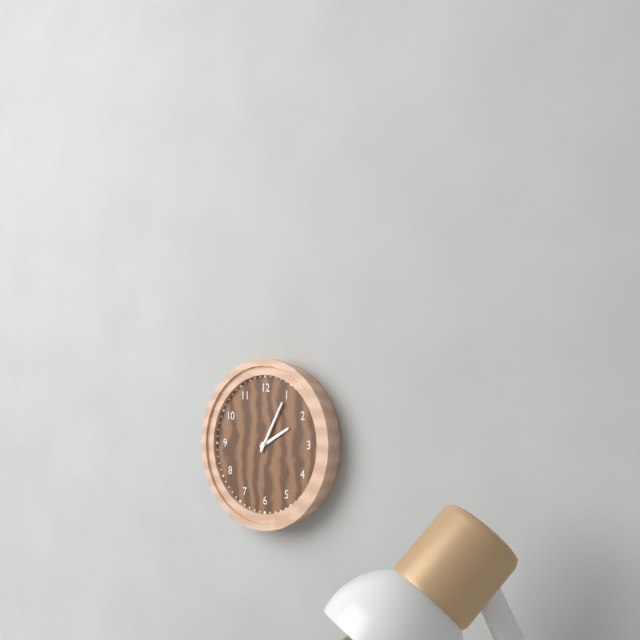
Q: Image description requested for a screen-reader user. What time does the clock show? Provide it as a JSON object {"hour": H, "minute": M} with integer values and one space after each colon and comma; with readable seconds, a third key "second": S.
{"hour": 2, "minute": 5}
